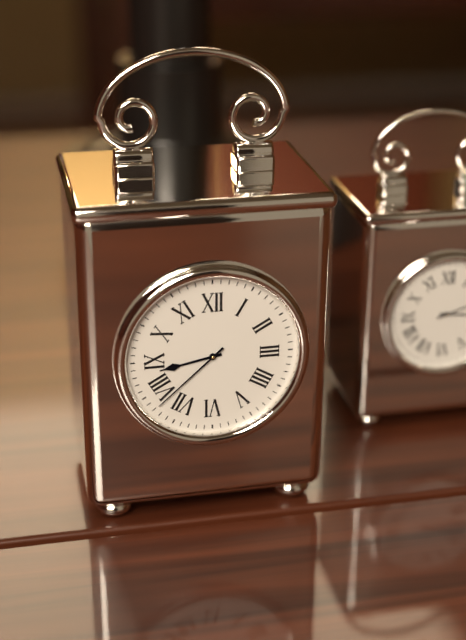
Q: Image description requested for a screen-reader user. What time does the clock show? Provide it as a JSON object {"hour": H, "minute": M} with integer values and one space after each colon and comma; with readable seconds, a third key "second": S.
{"hour": 8, "minute": 38}
